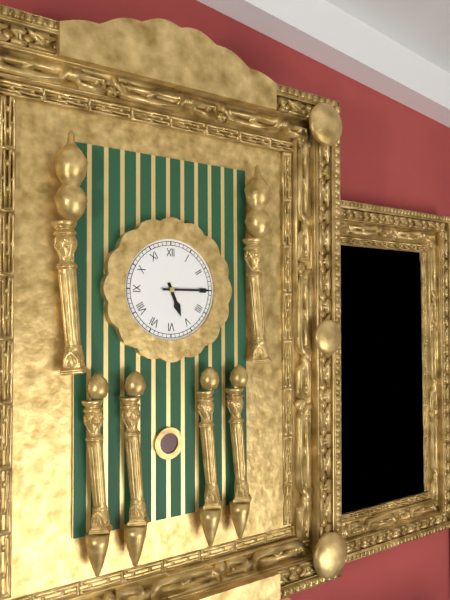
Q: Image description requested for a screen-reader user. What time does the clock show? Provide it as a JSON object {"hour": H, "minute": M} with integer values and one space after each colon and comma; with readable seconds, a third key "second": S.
{"hour": 5, "minute": 15}
